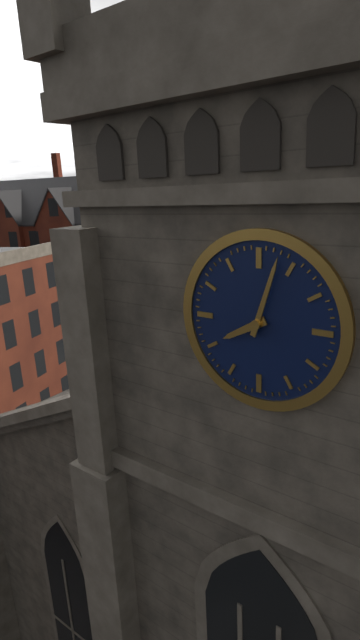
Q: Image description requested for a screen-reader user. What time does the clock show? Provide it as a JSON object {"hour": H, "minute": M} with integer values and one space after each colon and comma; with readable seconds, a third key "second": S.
{"hour": 8, "minute": 3}
